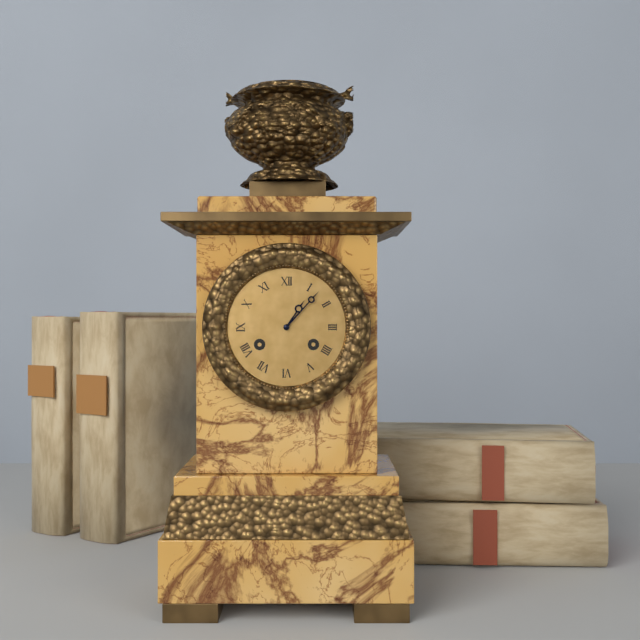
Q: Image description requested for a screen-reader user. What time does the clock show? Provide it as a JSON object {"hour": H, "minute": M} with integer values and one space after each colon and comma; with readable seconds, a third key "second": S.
{"hour": 1, "minute": 7}
